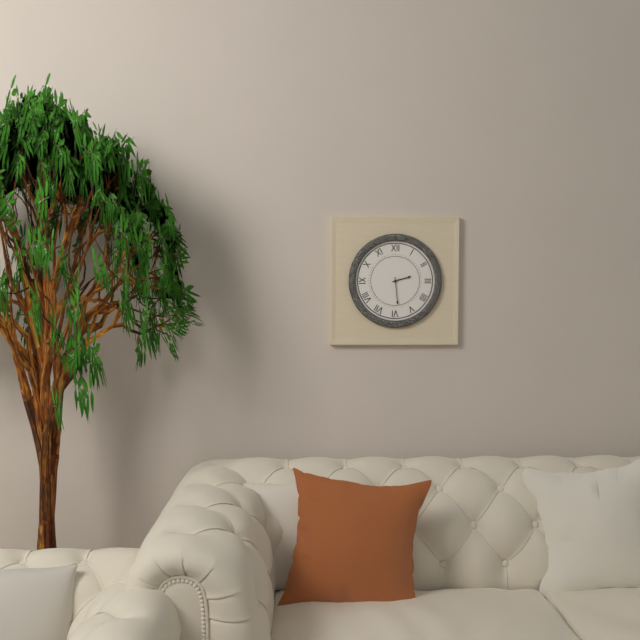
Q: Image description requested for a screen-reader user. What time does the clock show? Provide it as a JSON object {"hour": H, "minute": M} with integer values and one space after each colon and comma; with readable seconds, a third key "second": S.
{"hour": 2, "minute": 29}
